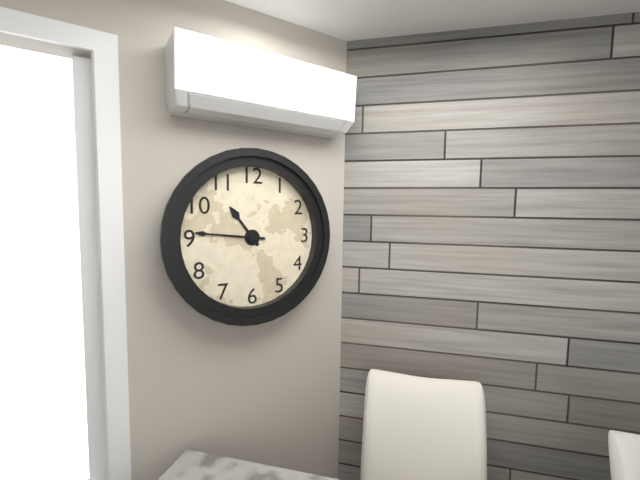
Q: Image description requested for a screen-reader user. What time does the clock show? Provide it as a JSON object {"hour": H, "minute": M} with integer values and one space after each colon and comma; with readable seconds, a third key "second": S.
{"hour": 10, "minute": 46}
